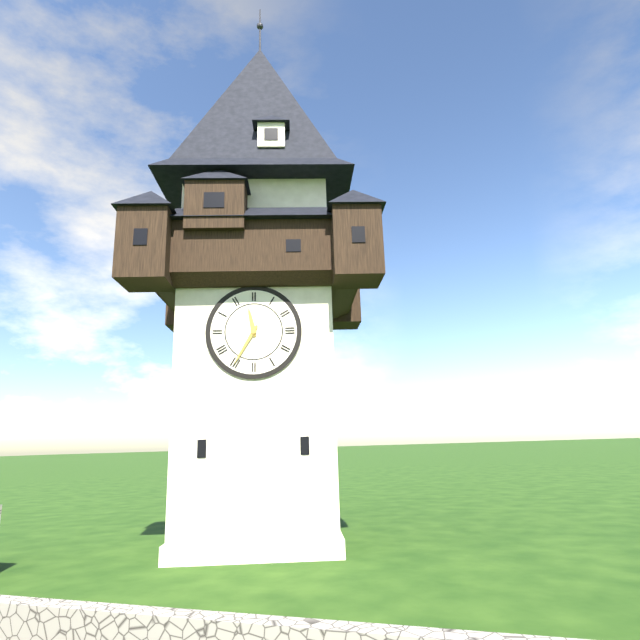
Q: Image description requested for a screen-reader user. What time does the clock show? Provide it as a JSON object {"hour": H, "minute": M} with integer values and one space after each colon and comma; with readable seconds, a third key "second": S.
{"hour": 11, "minute": 35}
